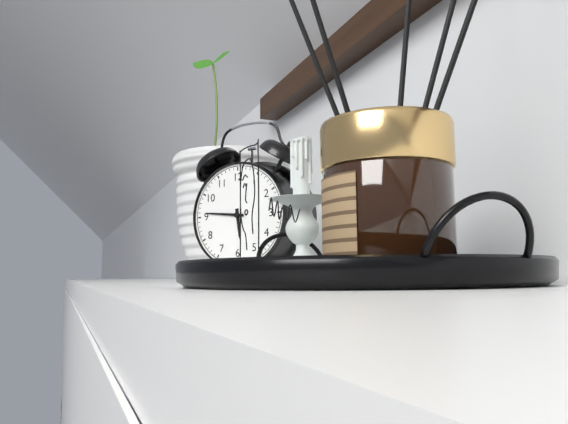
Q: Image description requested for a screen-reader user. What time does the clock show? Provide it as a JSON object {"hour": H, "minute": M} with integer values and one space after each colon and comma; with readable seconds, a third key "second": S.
{"hour": 5, "minute": 46}
